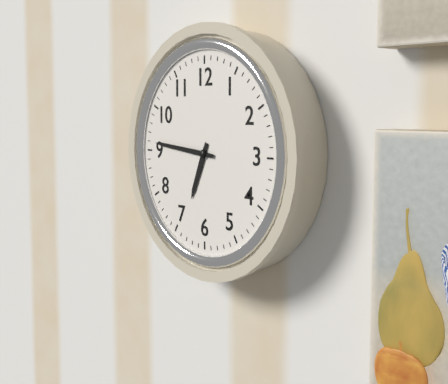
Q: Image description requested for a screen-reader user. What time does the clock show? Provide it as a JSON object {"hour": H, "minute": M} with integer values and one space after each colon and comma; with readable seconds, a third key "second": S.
{"hour": 6, "minute": 46}
